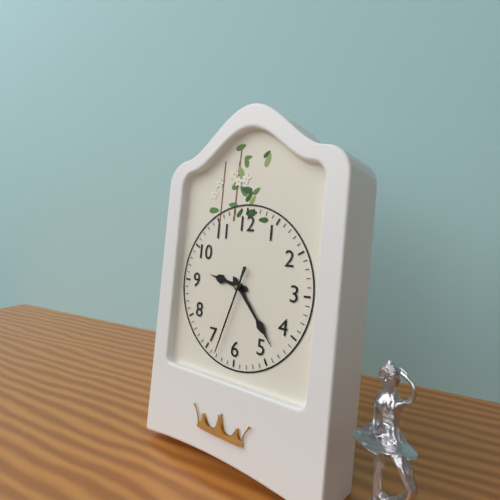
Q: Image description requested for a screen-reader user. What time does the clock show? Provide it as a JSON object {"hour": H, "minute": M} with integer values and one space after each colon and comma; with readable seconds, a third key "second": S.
{"hour": 9, "minute": 23, "second": 33}
